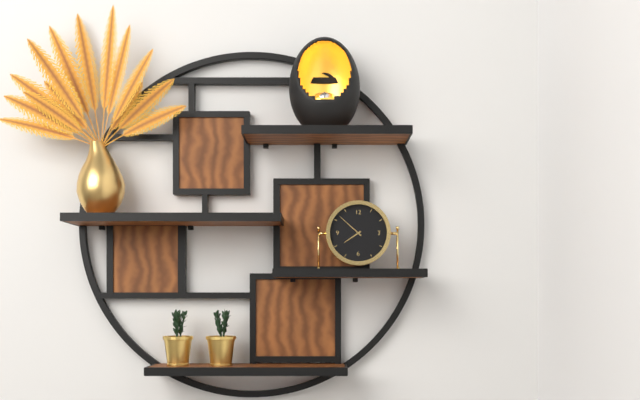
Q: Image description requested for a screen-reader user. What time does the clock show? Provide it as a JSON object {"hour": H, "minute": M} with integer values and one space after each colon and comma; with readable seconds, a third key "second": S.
{"hour": 7, "minute": 52}
